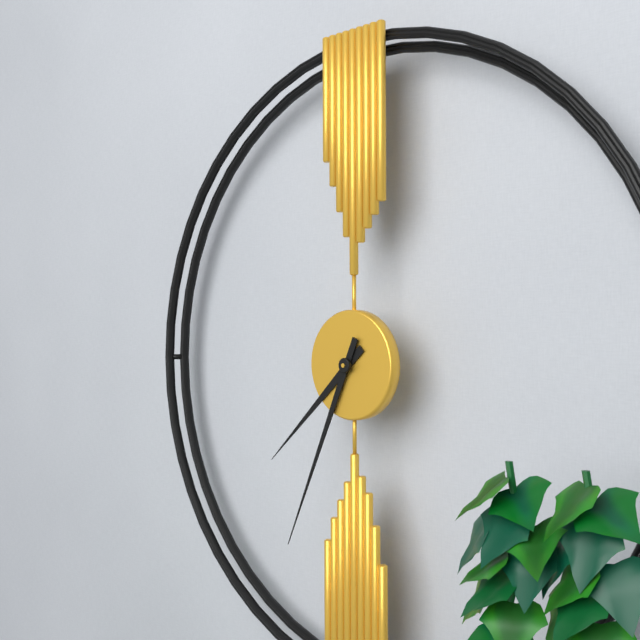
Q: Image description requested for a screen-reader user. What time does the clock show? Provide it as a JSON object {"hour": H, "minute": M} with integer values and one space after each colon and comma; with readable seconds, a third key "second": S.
{"hour": 7, "minute": 34}
